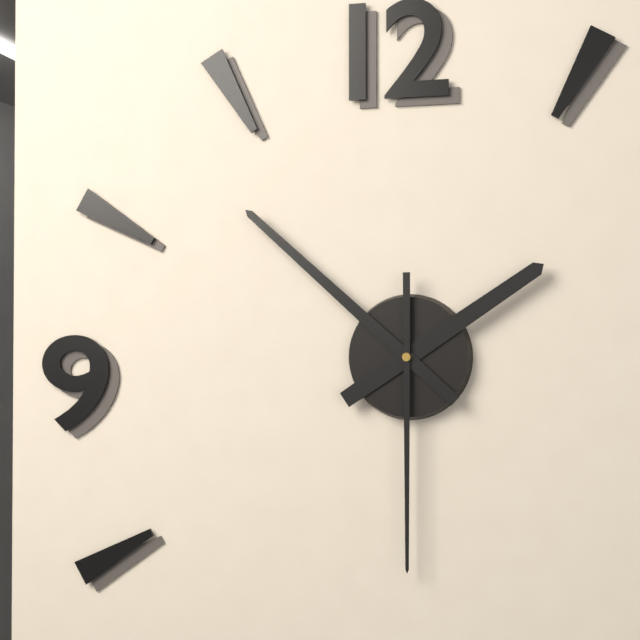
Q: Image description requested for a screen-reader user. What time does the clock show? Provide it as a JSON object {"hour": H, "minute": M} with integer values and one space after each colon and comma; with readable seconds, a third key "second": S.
{"hour": 1, "minute": 52, "second": 30}
